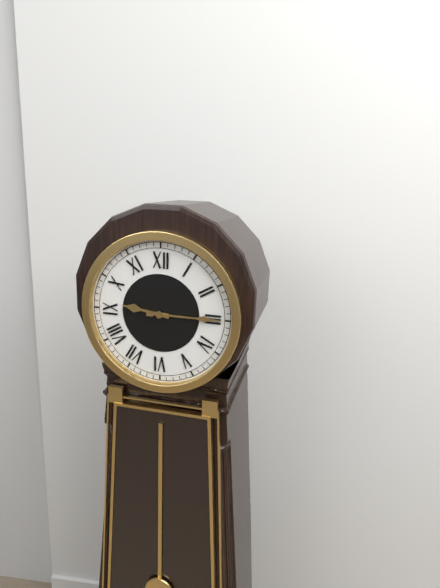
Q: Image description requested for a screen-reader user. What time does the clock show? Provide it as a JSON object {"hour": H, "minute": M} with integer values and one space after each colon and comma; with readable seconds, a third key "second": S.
{"hour": 9, "minute": 15}
